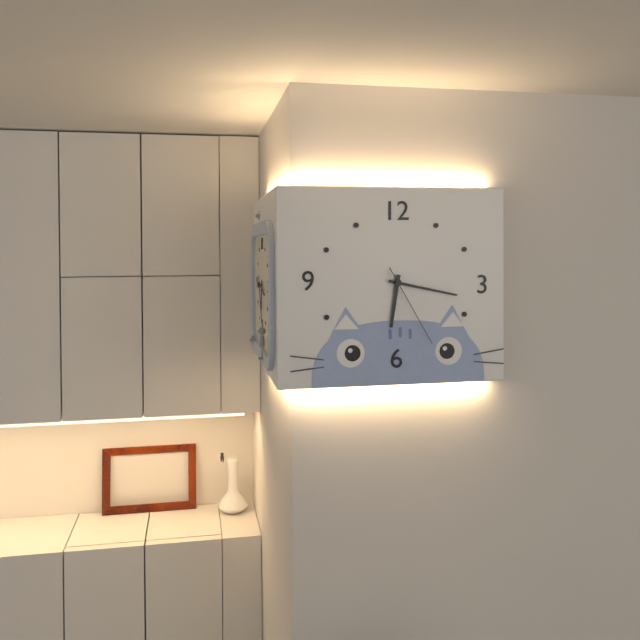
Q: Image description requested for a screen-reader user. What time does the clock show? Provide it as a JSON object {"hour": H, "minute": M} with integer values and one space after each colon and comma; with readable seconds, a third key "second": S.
{"hour": 6, "minute": 17, "second": 25}
